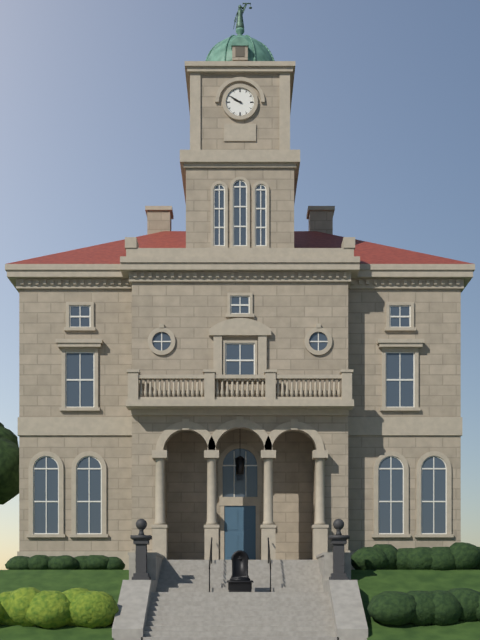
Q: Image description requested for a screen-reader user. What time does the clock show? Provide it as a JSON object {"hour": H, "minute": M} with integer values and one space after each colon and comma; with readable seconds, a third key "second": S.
{"hour": 9, "minute": 50}
